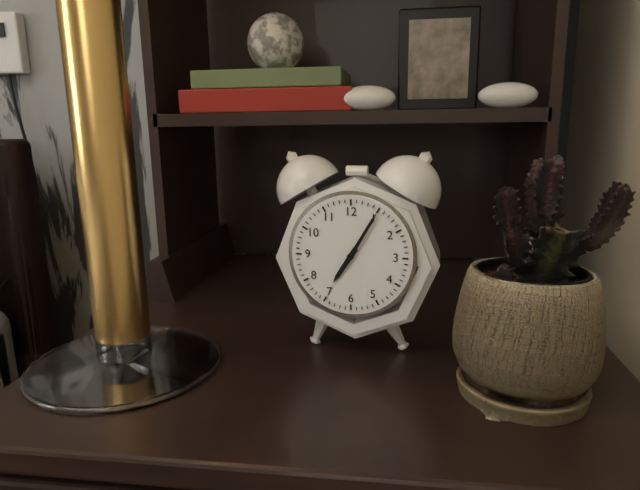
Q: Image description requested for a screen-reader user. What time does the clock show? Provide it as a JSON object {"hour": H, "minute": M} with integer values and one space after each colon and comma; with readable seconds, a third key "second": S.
{"hour": 7, "minute": 5}
